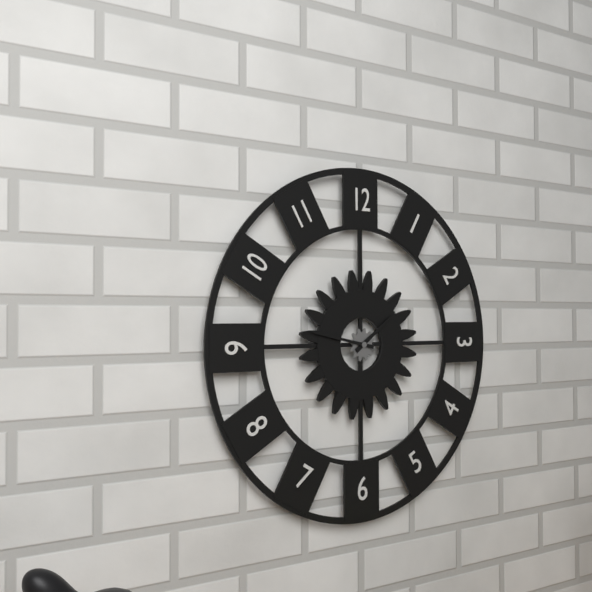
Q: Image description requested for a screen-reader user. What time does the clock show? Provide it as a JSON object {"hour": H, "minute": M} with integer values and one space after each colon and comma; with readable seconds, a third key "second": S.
{"hour": 1, "minute": 47}
